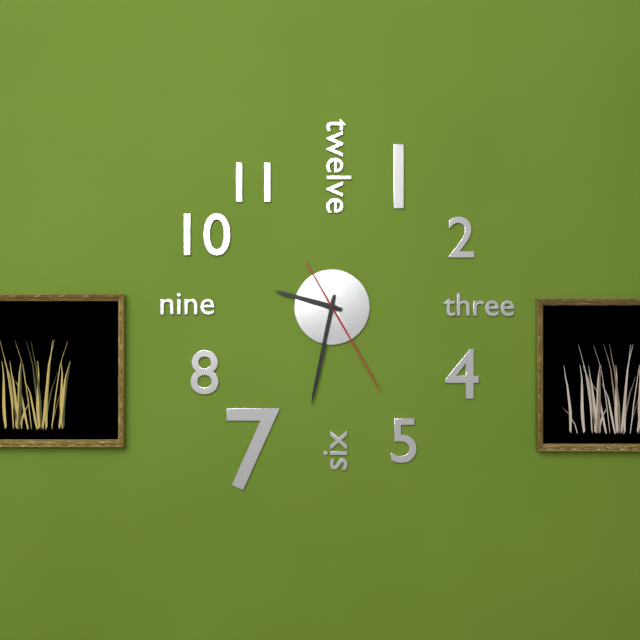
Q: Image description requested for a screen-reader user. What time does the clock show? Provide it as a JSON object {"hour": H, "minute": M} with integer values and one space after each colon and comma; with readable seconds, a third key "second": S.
{"hour": 9, "minute": 32, "second": 25}
